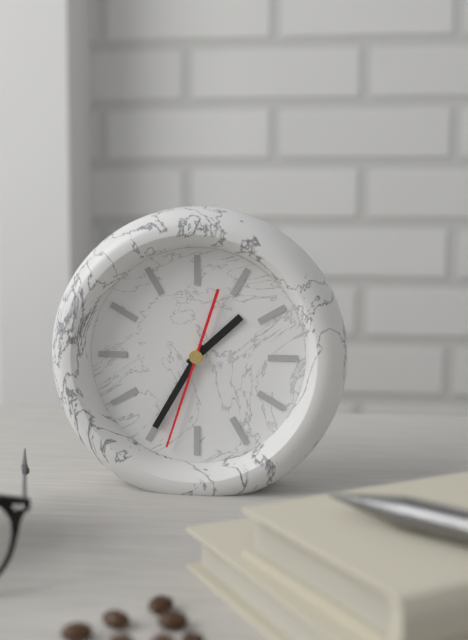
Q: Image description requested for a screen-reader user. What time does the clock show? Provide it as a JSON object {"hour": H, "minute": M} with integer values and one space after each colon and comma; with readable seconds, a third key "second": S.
{"hour": 1, "minute": 35, "second": 33}
